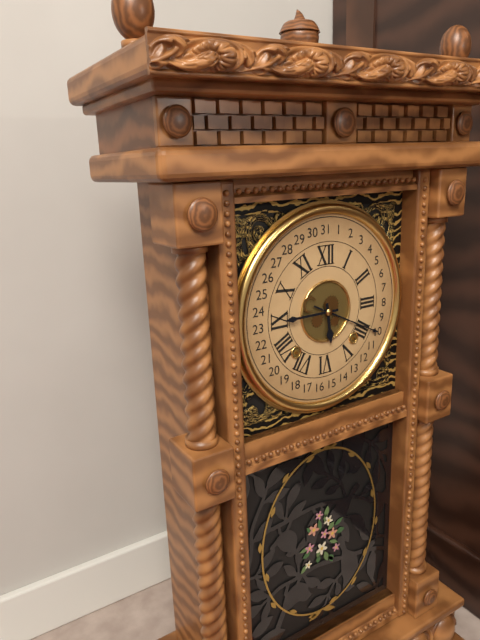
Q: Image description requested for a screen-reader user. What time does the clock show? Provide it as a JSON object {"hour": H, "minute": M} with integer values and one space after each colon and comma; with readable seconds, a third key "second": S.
{"hour": 5, "minute": 45}
